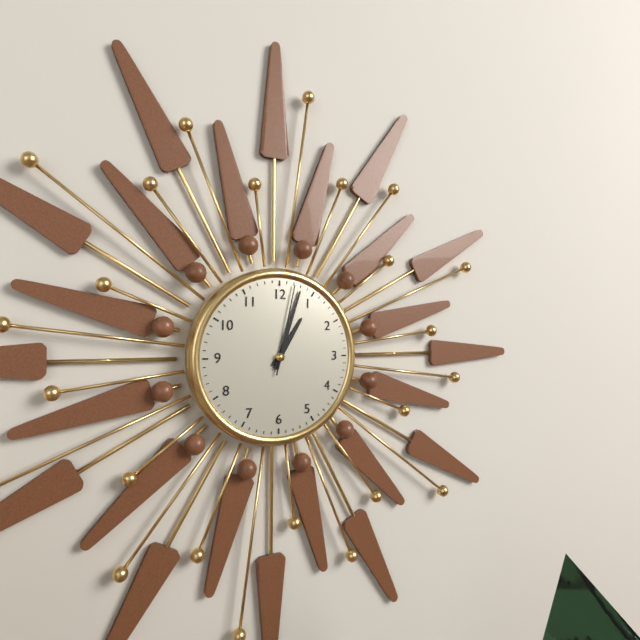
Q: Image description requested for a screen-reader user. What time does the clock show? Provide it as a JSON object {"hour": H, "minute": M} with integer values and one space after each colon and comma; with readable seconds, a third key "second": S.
{"hour": 1, "minute": 3, "second": 2}
